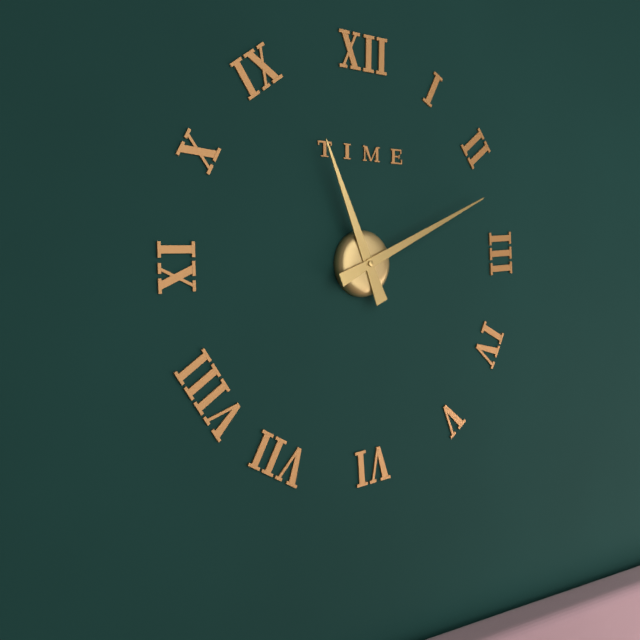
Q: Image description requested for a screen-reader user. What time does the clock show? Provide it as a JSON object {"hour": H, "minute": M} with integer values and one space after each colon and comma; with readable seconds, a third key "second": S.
{"hour": 11, "minute": 11}
